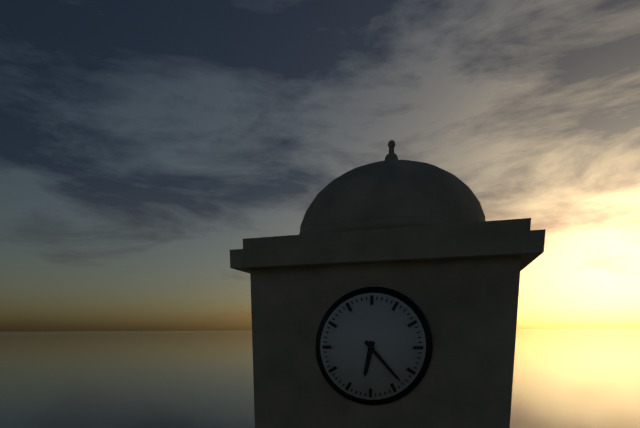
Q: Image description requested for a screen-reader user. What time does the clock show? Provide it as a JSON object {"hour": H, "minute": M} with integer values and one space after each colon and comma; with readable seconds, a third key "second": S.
{"hour": 6, "minute": 23}
